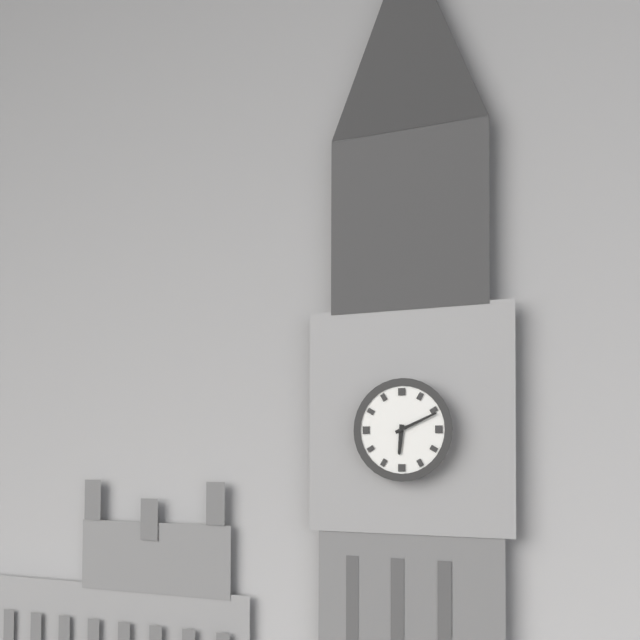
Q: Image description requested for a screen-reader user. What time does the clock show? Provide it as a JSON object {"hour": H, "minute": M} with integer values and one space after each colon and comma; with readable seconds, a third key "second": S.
{"hour": 6, "minute": 11}
